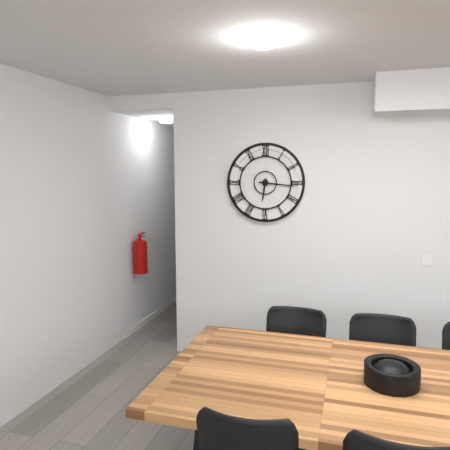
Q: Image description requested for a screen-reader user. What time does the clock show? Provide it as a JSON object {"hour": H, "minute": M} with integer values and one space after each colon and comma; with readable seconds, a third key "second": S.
{"hour": 6, "minute": 16}
